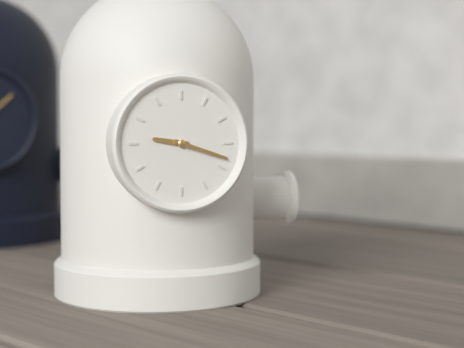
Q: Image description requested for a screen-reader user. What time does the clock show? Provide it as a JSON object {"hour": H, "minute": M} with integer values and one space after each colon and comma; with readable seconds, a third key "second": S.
{"hour": 9, "minute": 18}
